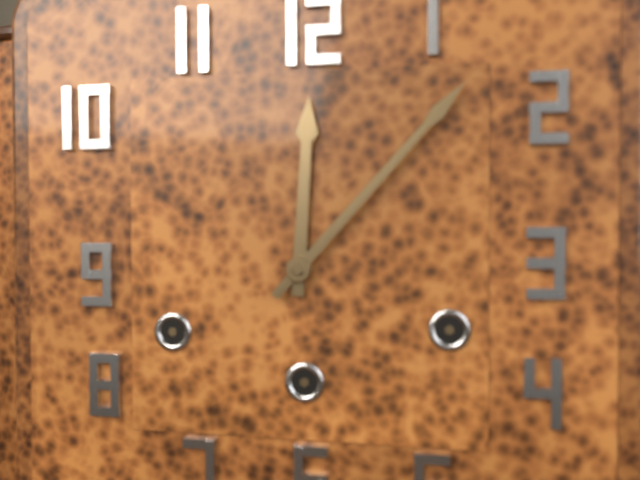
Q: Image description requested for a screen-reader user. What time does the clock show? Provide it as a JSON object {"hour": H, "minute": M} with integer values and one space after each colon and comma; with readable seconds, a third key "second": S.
{"hour": 12, "minute": 7}
